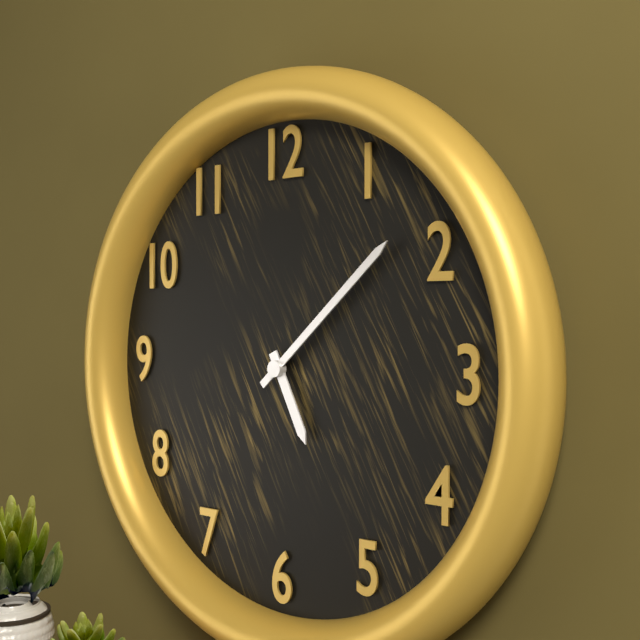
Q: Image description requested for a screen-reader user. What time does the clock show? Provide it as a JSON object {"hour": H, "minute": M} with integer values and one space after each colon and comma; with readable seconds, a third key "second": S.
{"hour": 5, "minute": 8}
